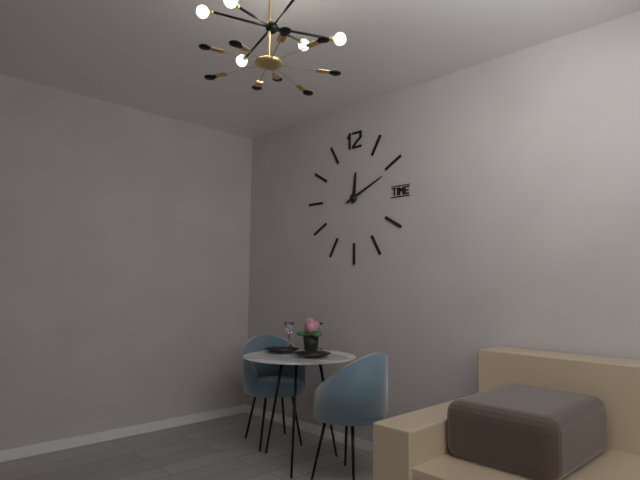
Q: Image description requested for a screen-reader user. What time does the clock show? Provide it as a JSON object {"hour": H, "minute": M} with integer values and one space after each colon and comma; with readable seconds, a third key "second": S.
{"hour": 12, "minute": 11}
